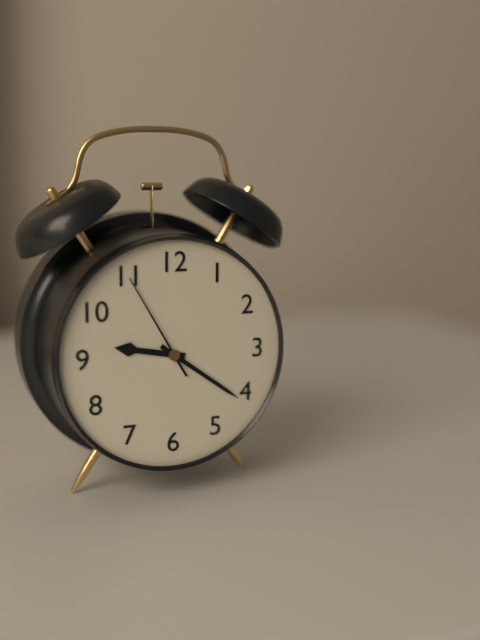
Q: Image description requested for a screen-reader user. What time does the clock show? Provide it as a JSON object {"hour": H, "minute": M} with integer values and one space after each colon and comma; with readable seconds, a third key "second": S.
{"hour": 9, "minute": 21, "second": 55}
